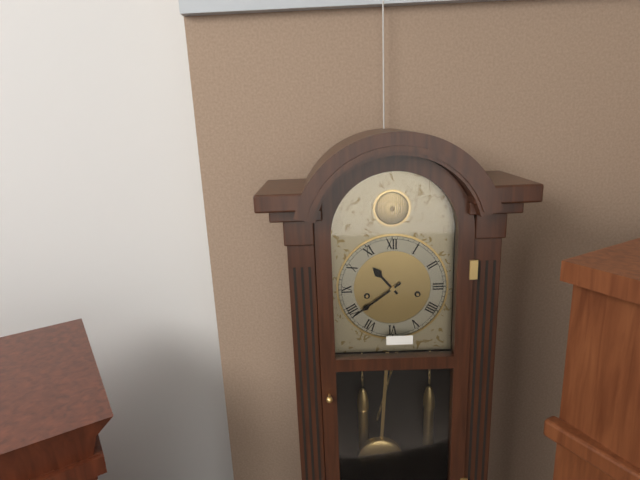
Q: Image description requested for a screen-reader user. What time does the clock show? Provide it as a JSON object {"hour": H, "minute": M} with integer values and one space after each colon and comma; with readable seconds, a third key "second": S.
{"hour": 10, "minute": 39}
